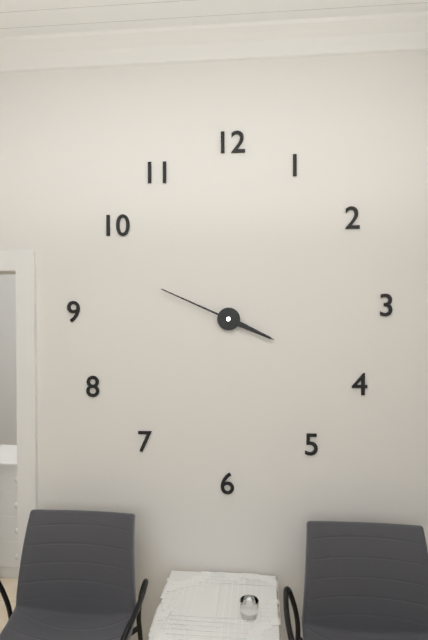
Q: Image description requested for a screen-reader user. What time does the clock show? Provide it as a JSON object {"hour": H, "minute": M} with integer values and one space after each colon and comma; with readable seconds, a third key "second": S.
{"hour": 3, "minute": 49}
